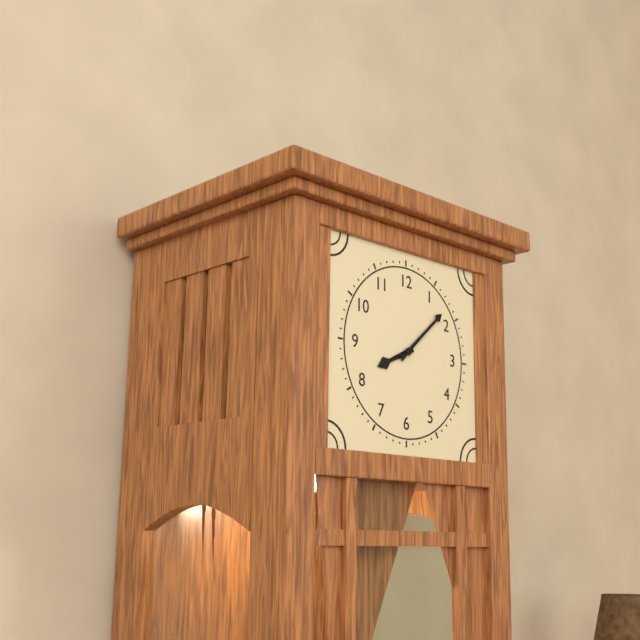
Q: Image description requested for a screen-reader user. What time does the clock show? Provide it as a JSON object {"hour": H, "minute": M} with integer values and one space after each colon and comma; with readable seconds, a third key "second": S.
{"hour": 8, "minute": 8}
